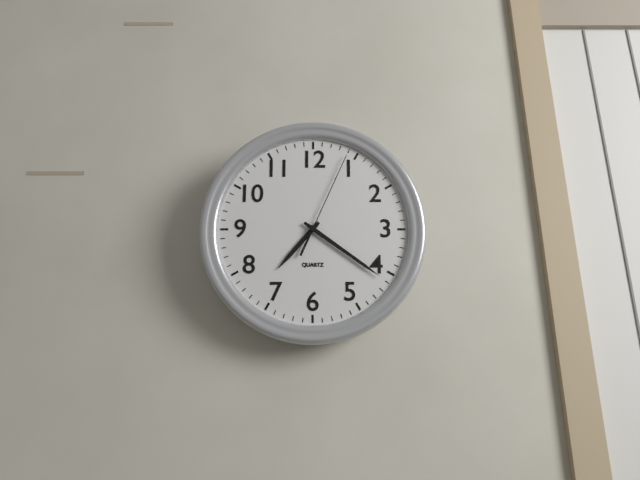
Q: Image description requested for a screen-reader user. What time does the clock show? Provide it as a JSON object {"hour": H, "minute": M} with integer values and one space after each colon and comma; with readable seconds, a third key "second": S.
{"hour": 7, "minute": 21, "second": 4}
